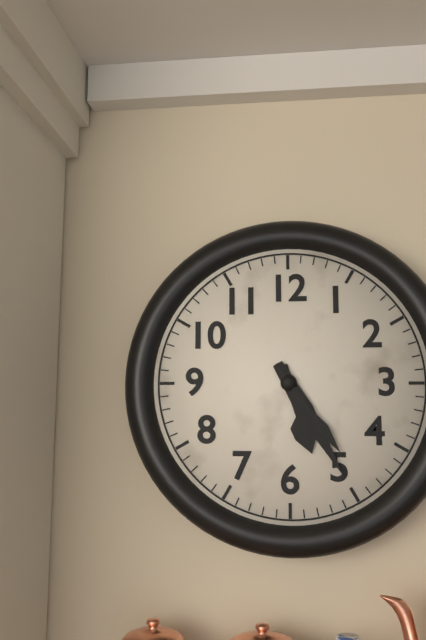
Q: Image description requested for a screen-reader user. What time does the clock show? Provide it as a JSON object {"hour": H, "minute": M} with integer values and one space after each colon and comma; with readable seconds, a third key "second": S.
{"hour": 5, "minute": 25, "second": 24}
